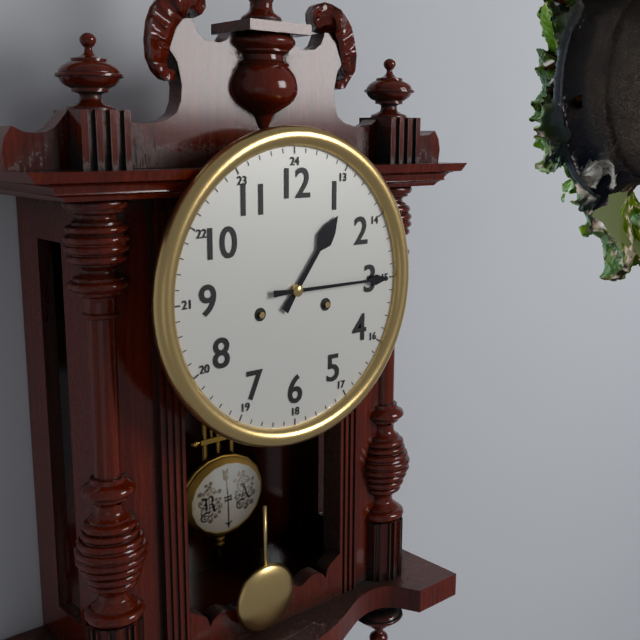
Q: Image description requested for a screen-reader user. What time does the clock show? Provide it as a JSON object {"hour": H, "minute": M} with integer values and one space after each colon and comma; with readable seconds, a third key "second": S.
{"hour": 1, "minute": 15}
